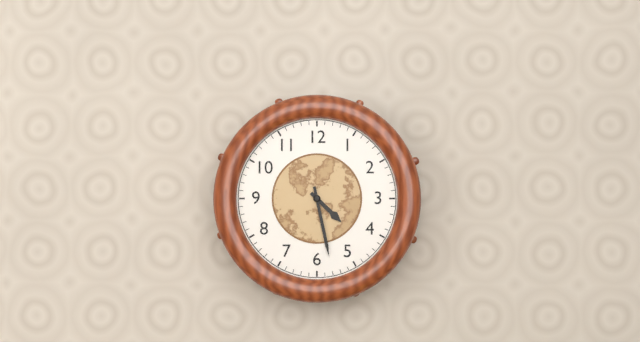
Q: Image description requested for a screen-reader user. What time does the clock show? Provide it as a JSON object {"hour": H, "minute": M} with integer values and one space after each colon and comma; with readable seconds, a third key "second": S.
{"hour": 4, "minute": 28}
